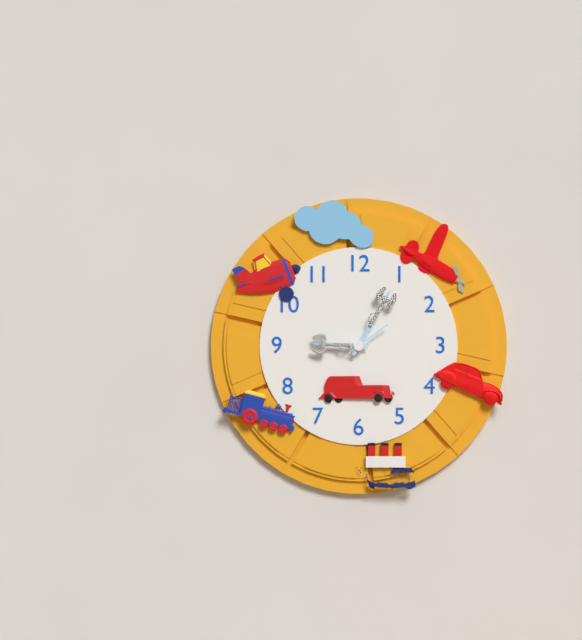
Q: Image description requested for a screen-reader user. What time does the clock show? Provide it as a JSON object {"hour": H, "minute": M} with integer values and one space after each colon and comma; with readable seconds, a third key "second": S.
{"hour": 9, "minute": 5}
